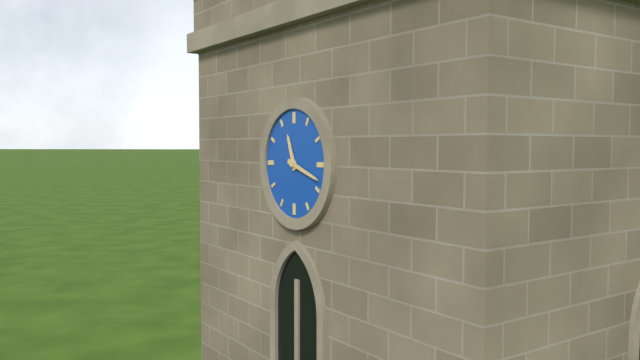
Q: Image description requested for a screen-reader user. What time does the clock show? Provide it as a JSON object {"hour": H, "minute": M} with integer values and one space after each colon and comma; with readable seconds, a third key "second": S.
{"hour": 11, "minute": 18}
